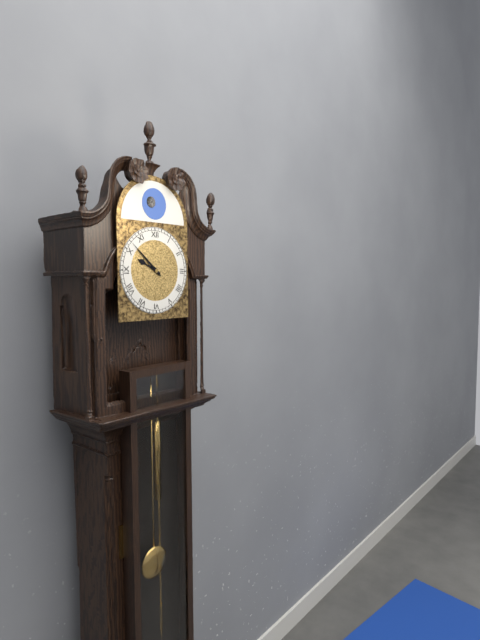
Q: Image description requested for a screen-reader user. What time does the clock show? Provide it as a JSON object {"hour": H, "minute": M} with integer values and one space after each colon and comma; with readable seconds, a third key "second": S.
{"hour": 9, "minute": 52}
